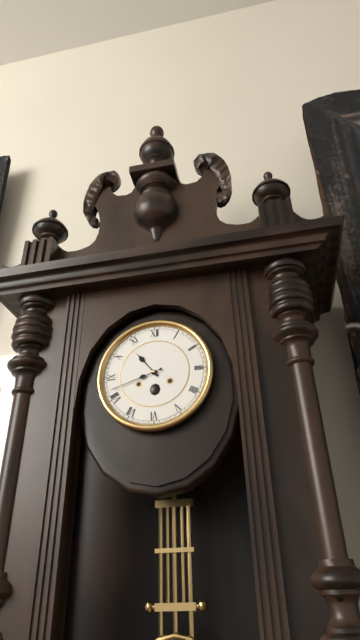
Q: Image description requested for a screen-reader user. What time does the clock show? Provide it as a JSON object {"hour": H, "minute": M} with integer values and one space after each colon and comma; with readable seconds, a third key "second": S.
{"hour": 10, "minute": 42}
